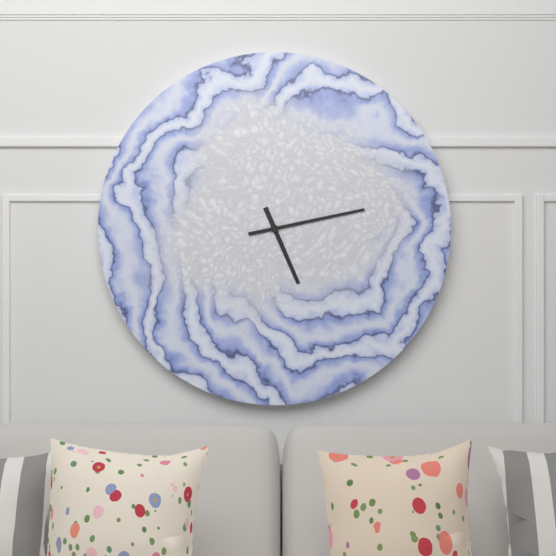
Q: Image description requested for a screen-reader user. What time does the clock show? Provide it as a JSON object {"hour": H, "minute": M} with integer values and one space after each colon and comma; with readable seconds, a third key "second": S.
{"hour": 5, "minute": 13}
